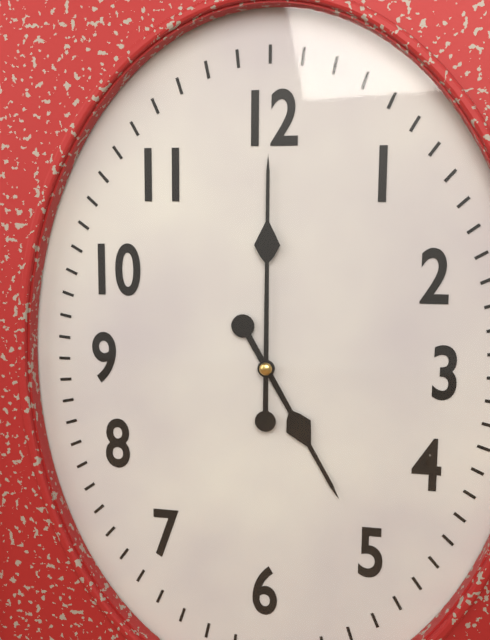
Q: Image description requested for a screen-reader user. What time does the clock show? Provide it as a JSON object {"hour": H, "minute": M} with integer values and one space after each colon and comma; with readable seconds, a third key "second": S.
{"hour": 5, "minute": 0}
